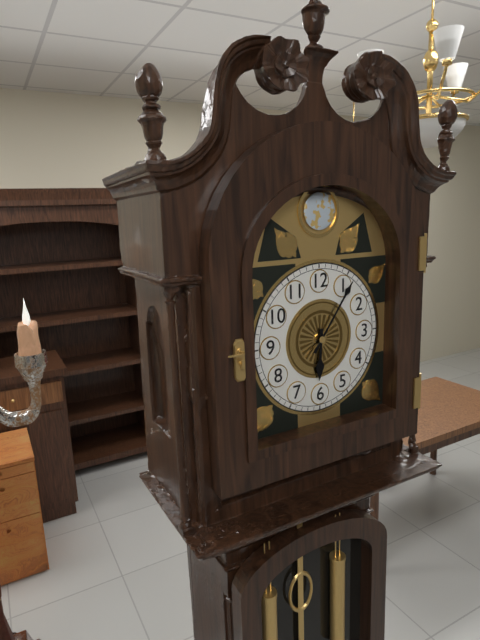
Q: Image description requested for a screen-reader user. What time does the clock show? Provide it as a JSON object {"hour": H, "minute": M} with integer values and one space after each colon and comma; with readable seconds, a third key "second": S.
{"hour": 6, "minute": 6}
